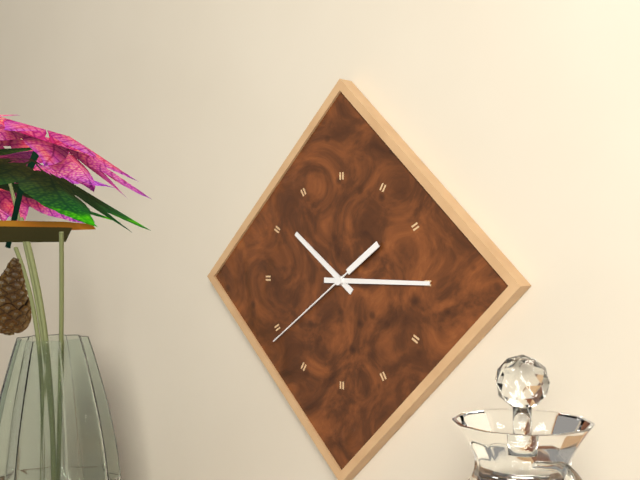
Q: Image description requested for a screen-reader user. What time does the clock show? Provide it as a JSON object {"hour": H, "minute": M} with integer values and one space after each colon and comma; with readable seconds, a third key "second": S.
{"hour": 10, "minute": 15, "second": 39}
